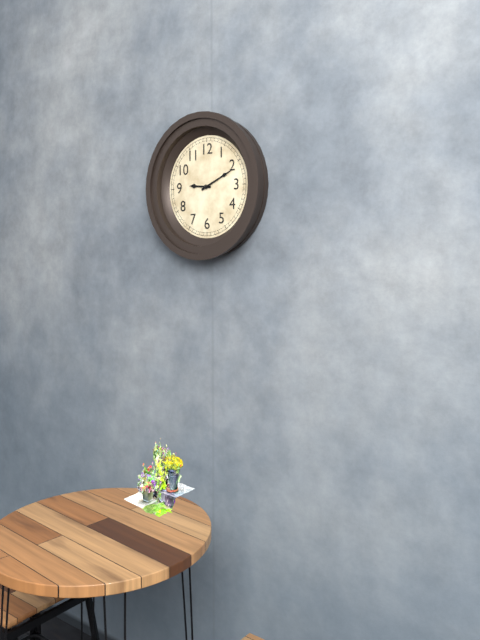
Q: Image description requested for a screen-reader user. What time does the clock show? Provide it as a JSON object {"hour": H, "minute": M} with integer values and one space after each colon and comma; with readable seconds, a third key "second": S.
{"hour": 9, "minute": 11}
